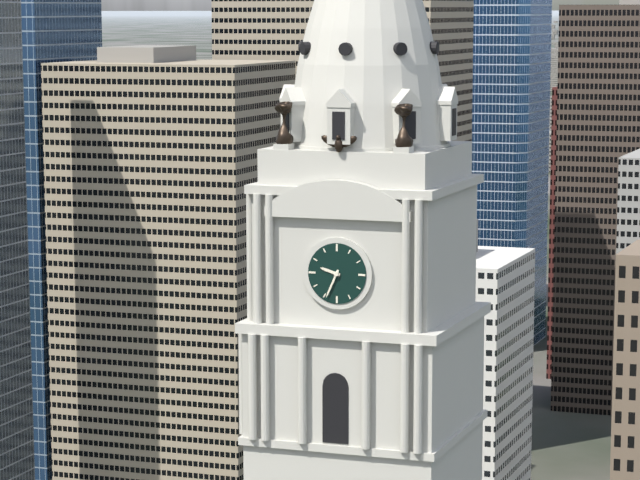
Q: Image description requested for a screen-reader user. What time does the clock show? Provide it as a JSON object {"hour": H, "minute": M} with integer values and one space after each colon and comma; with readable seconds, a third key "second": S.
{"hour": 9, "minute": 34}
